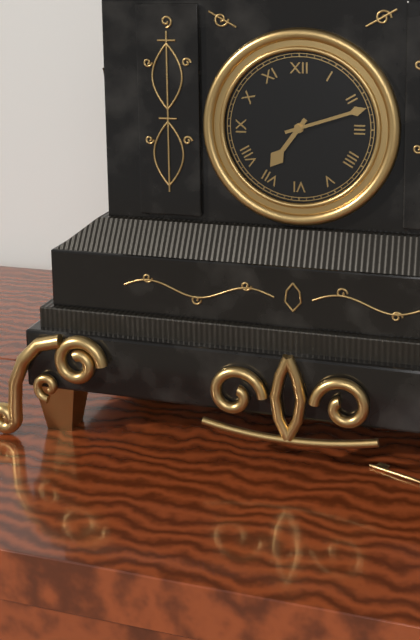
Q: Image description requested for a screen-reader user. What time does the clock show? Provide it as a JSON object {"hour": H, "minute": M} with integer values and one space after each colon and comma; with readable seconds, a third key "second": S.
{"hour": 7, "minute": 12}
